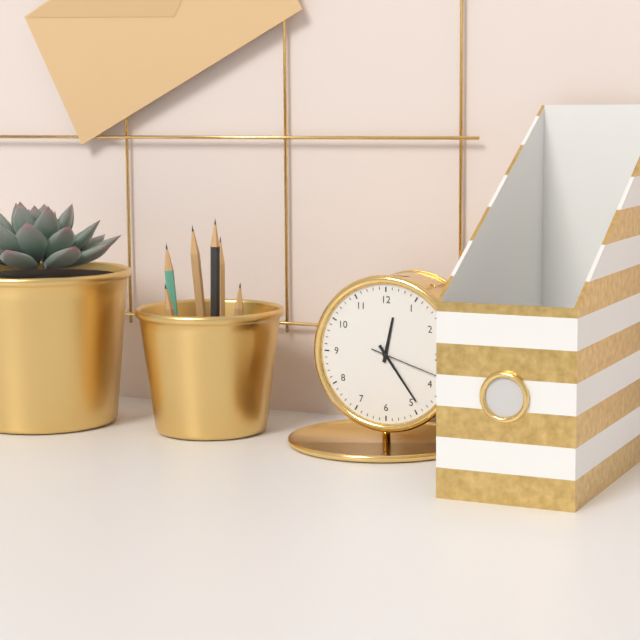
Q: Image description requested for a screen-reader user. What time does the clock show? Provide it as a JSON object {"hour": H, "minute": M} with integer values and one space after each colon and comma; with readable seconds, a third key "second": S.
{"hour": 12, "minute": 24, "second": 18}
